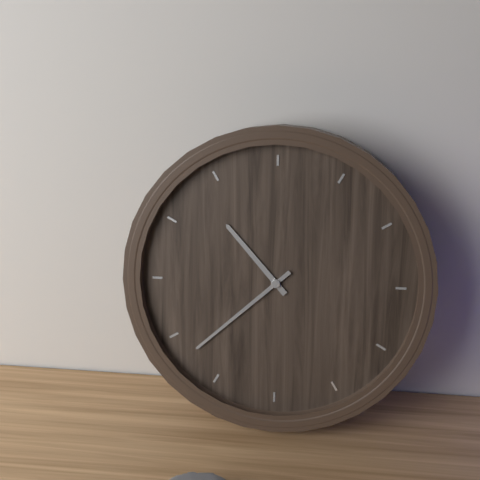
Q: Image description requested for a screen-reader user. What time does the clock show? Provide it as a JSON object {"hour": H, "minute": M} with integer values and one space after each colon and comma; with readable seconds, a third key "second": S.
{"hour": 10, "minute": 38}
